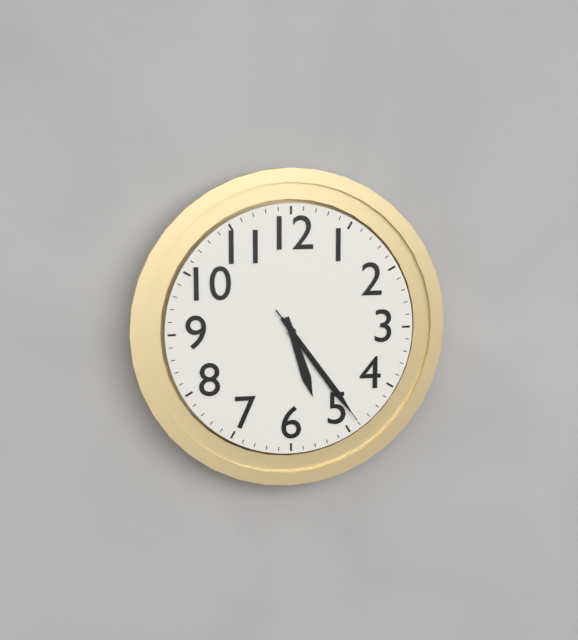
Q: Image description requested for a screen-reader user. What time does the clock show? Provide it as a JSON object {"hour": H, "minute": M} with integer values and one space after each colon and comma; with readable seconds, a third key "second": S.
{"hour": 5, "minute": 24, "second": 24}
